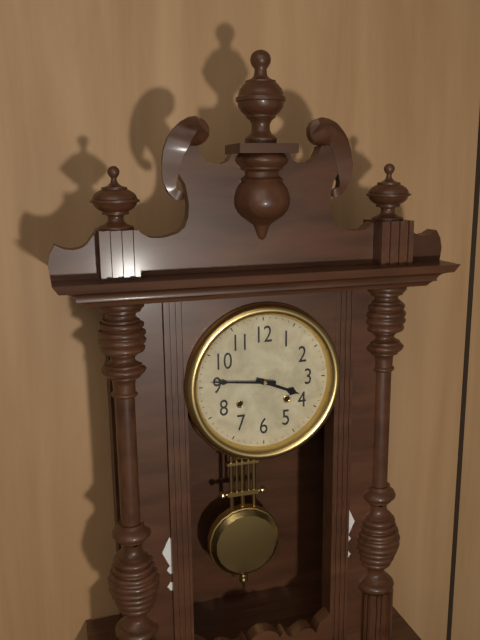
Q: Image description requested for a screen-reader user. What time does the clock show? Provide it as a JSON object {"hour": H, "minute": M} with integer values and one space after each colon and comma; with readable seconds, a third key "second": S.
{"hour": 3, "minute": 46}
